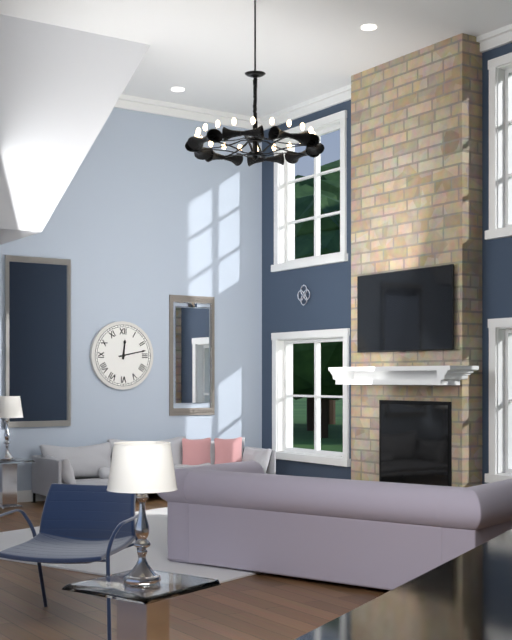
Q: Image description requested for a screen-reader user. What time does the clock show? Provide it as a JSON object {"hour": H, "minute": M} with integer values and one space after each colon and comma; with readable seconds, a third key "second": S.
{"hour": 12, "minute": 13}
